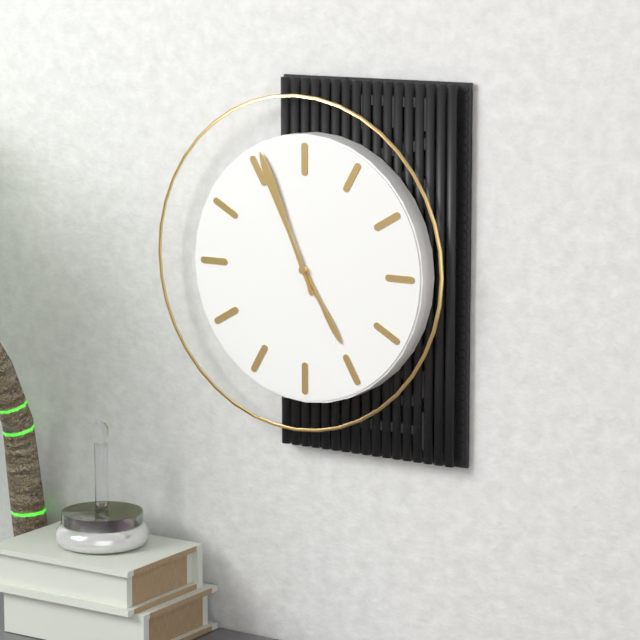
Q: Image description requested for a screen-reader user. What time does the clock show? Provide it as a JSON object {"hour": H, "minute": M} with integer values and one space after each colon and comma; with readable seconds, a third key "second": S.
{"hour": 4, "minute": 56}
